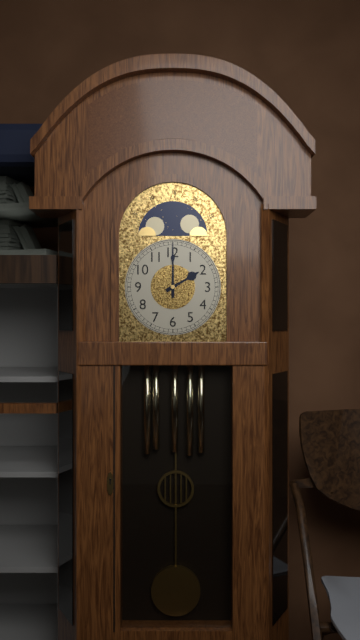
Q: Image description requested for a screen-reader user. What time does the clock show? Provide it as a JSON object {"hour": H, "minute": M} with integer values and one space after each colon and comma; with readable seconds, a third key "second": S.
{"hour": 2, "minute": 0}
